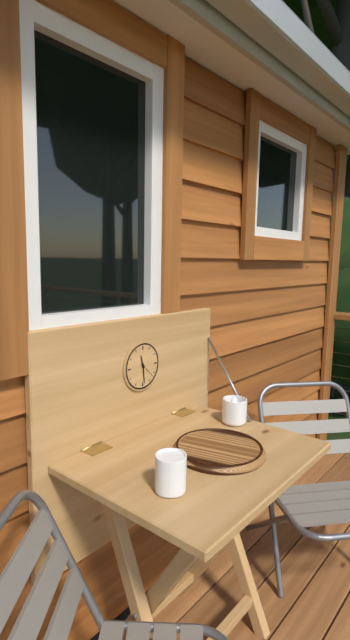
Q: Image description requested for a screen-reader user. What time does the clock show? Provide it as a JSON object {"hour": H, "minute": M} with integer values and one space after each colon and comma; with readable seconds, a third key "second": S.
{"hour": 11, "minute": 29}
